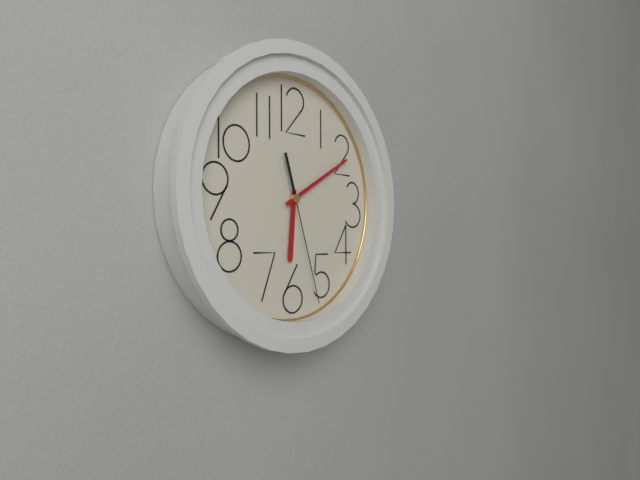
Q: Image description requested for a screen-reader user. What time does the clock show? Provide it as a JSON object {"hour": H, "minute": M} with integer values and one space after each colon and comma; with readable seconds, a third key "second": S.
{"hour": 6, "minute": 10, "second": 27}
